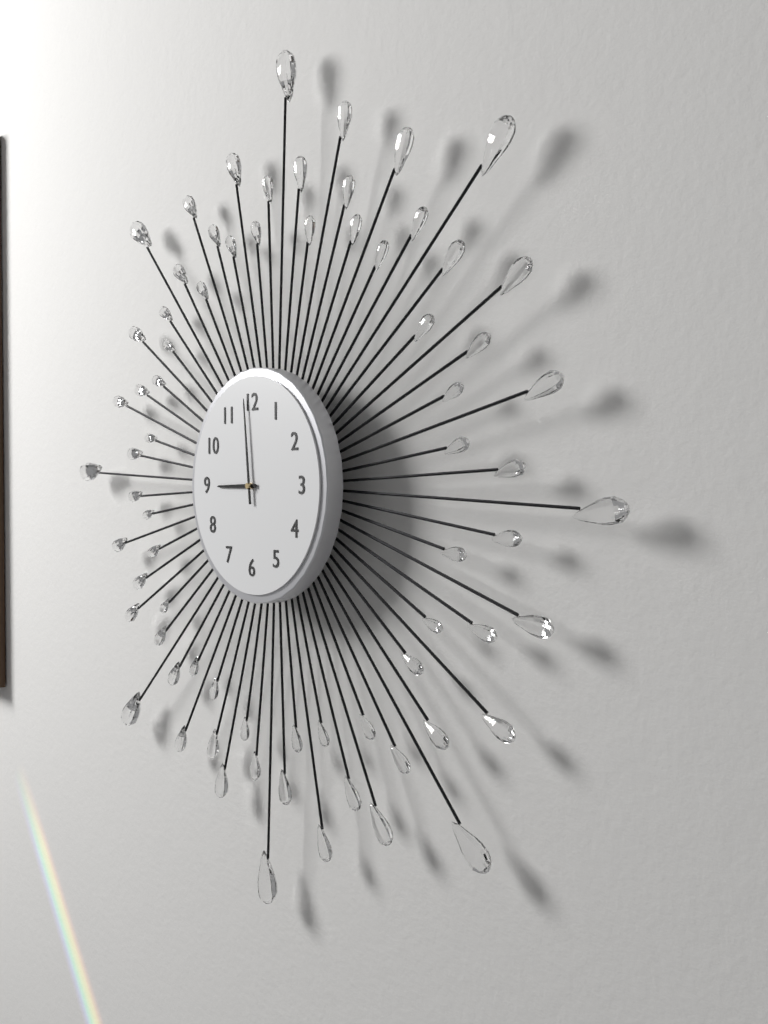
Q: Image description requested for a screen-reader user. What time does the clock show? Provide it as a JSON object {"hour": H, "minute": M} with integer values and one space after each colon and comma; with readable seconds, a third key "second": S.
{"hour": 8, "minute": 59}
